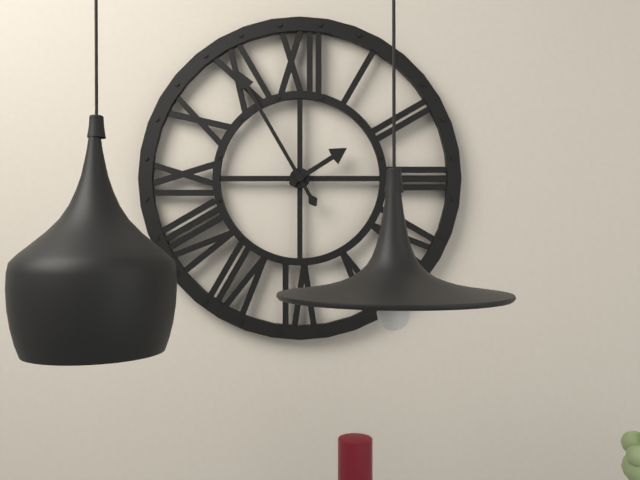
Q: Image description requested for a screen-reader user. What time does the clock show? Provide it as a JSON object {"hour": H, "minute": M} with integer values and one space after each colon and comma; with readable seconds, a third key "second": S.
{"hour": 1, "minute": 55}
